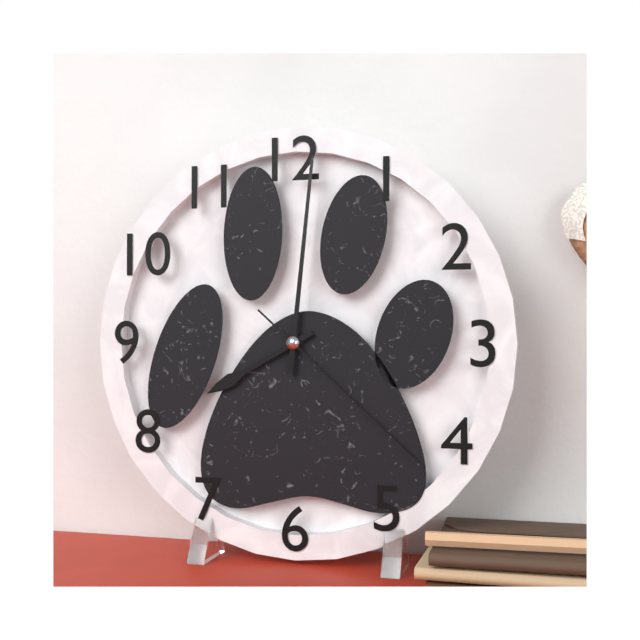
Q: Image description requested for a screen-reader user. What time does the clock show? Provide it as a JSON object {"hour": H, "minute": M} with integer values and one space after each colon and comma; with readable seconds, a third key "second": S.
{"hour": 8, "minute": 1, "second": 22}
